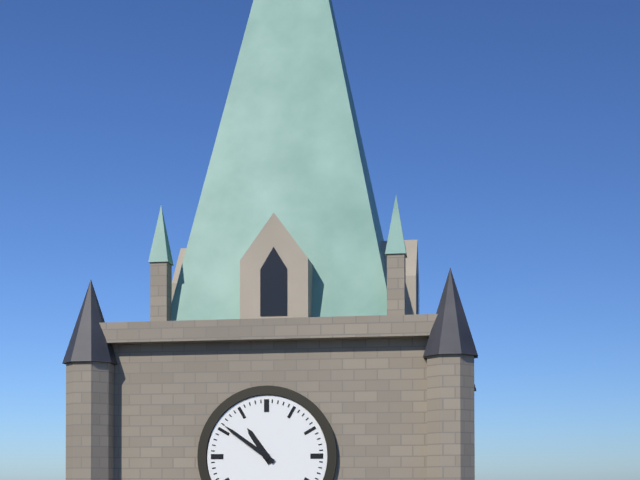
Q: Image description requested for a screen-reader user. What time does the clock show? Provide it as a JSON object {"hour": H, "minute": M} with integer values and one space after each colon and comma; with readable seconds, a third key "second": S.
{"hour": 10, "minute": 51}
